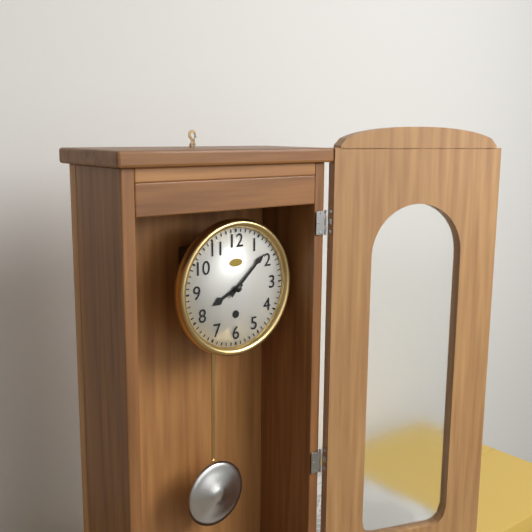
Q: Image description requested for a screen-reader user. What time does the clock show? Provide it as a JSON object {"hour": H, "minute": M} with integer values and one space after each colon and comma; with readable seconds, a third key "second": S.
{"hour": 8, "minute": 8}
